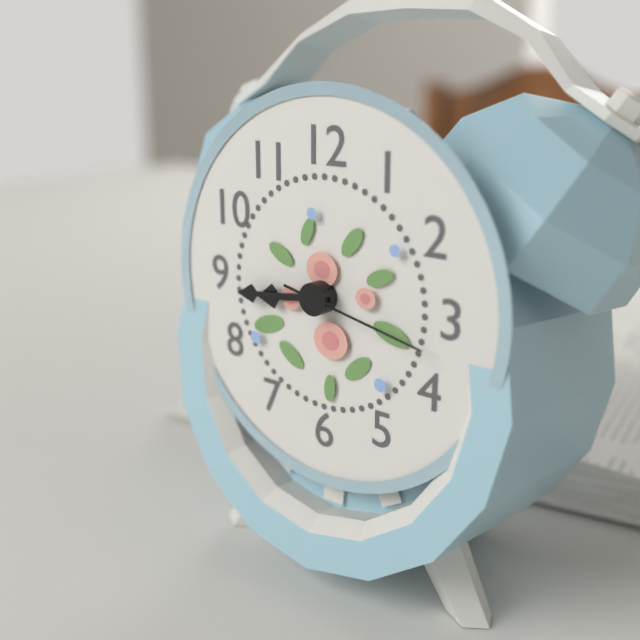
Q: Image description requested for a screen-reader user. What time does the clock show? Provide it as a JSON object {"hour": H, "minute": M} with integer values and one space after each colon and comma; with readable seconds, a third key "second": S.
{"hour": 8, "minute": 44, "second": 17}
